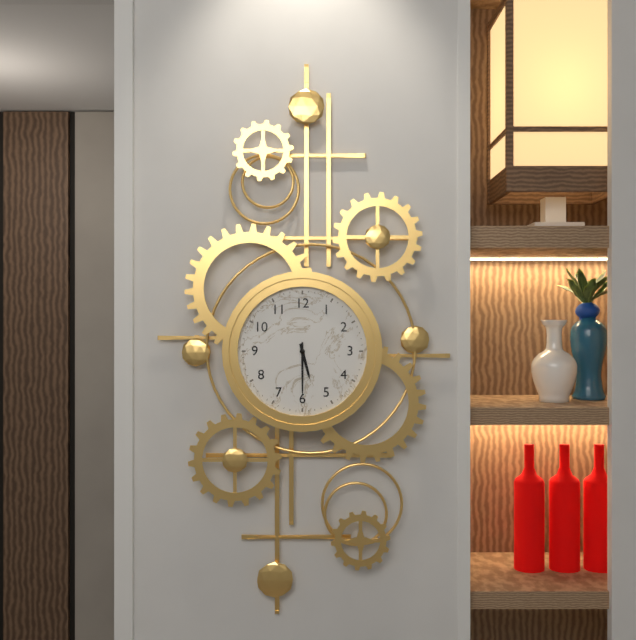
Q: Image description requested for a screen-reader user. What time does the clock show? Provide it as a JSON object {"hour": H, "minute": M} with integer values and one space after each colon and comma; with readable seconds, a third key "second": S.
{"hour": 5, "minute": 30}
